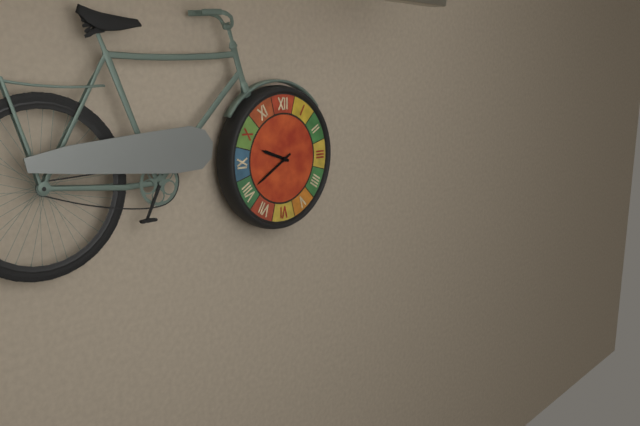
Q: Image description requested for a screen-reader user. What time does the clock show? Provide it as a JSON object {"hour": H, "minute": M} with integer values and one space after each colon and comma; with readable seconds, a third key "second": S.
{"hour": 9, "minute": 40}
